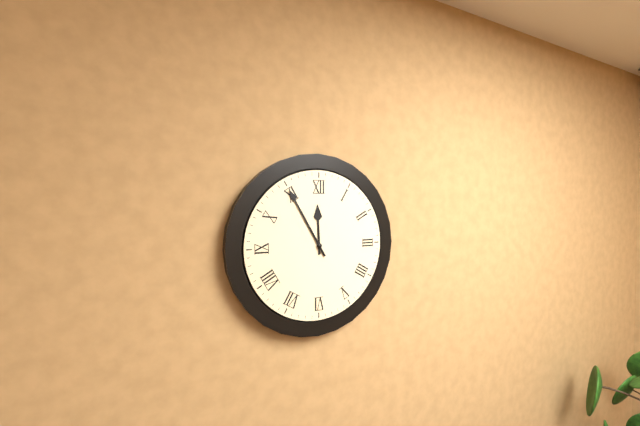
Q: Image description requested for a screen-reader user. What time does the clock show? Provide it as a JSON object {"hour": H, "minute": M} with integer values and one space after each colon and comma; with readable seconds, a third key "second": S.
{"hour": 11, "minute": 55}
